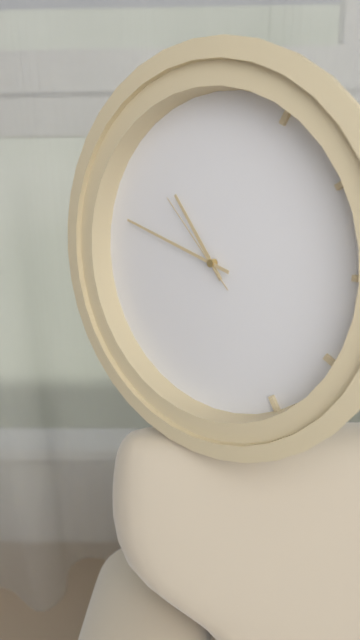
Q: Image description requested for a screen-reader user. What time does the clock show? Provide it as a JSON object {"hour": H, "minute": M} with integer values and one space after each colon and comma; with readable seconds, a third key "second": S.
{"hour": 10, "minute": 48, "second": 53}
